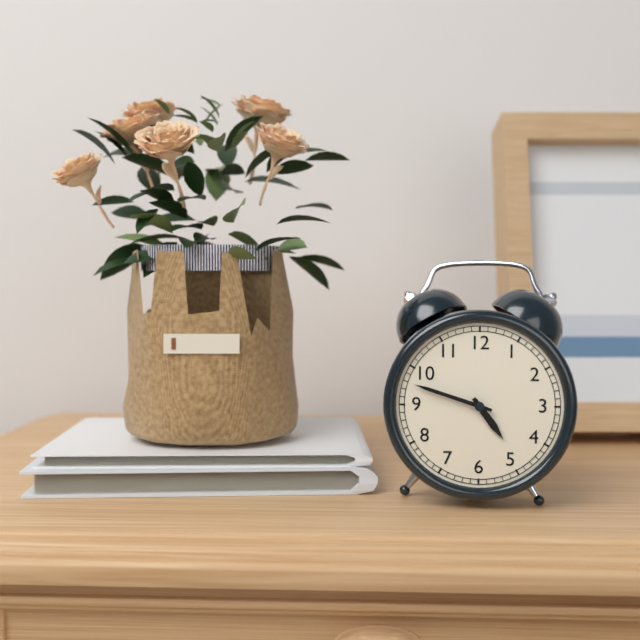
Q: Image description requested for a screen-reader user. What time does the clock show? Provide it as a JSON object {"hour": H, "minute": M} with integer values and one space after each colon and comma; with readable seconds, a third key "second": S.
{"hour": 4, "minute": 48}
